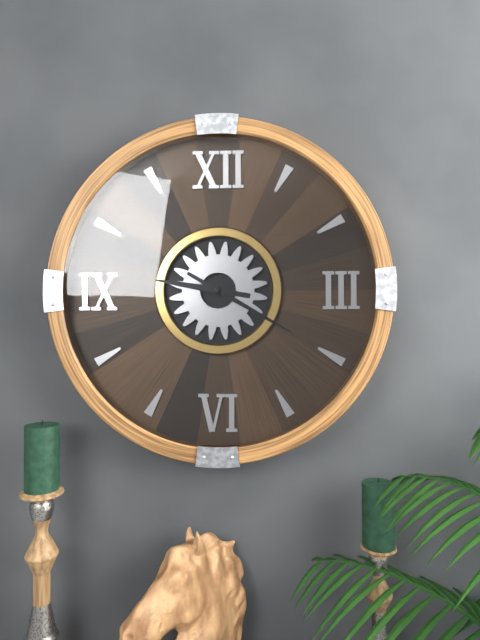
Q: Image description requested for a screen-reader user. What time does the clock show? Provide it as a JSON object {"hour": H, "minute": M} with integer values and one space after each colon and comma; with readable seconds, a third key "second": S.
{"hour": 9, "minute": 20}
